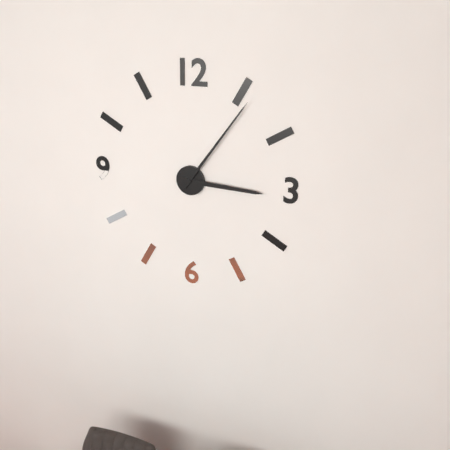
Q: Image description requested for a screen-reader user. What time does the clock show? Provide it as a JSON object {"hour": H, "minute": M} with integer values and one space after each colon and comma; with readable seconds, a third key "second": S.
{"hour": 3, "minute": 6}
